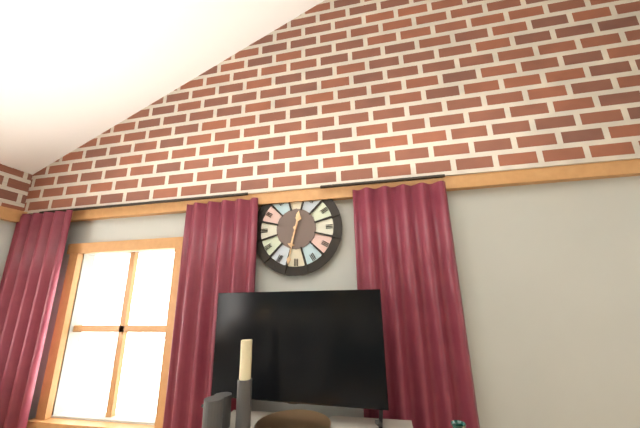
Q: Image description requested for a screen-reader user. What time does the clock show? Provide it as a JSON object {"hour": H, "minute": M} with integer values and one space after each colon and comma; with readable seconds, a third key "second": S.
{"hour": 6, "minute": 32}
